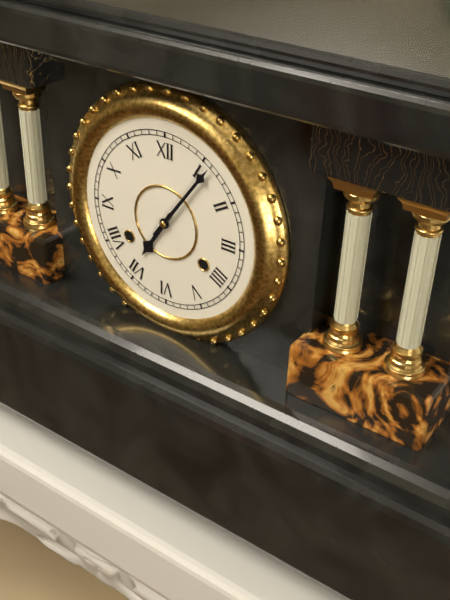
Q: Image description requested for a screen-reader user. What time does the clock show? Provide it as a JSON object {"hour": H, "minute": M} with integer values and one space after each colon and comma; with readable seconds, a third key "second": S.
{"hour": 7, "minute": 6}
